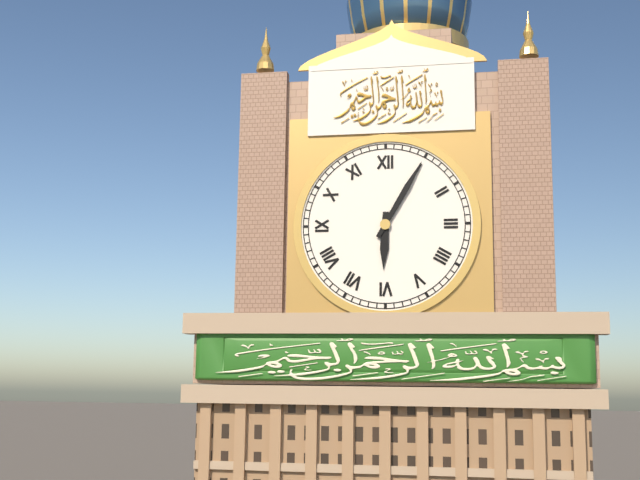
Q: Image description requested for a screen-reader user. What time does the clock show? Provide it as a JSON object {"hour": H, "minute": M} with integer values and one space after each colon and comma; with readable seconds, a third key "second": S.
{"hour": 6, "minute": 5}
